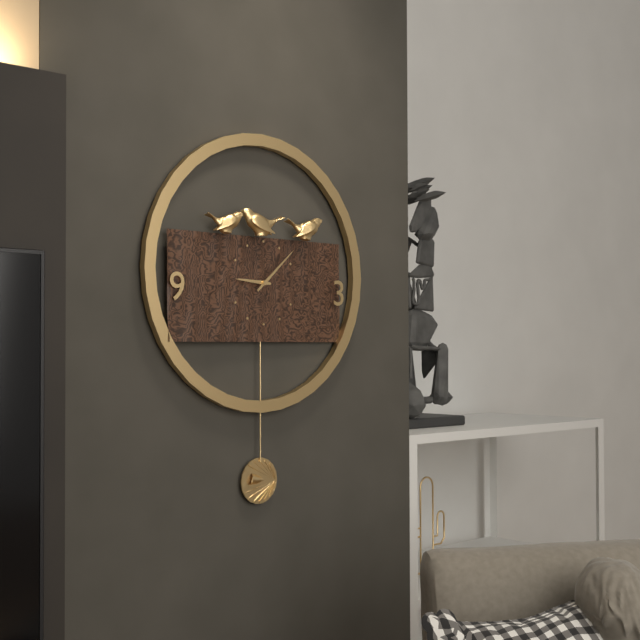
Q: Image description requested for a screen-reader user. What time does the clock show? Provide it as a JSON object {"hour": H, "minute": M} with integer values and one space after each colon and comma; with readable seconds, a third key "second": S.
{"hour": 9, "minute": 8}
